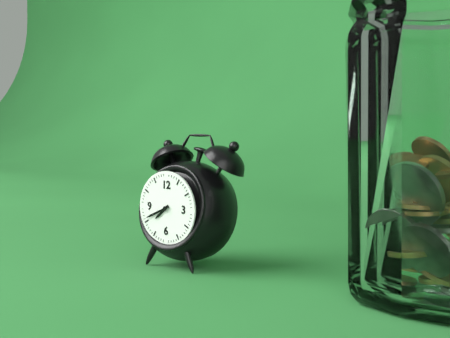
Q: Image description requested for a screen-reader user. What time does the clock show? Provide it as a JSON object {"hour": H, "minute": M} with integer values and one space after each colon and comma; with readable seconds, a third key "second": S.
{"hour": 7, "minute": 41}
